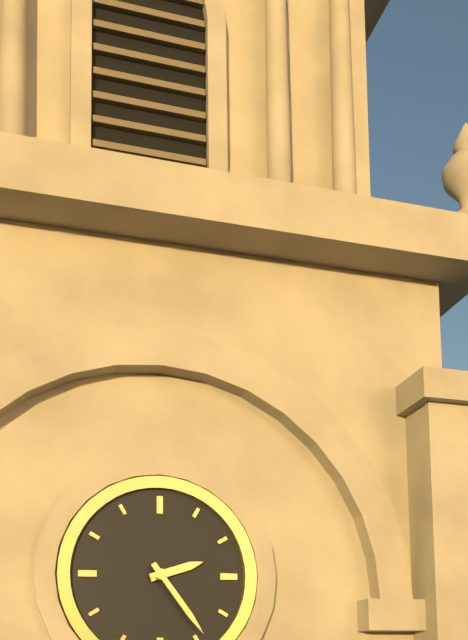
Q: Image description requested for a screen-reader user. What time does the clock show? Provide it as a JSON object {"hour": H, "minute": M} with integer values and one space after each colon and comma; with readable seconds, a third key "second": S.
{"hour": 2, "minute": 24}
